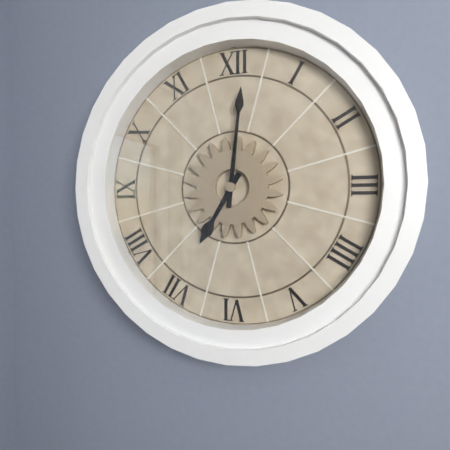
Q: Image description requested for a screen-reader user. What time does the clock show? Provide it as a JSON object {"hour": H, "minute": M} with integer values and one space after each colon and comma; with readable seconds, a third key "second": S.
{"hour": 7, "minute": 1}
